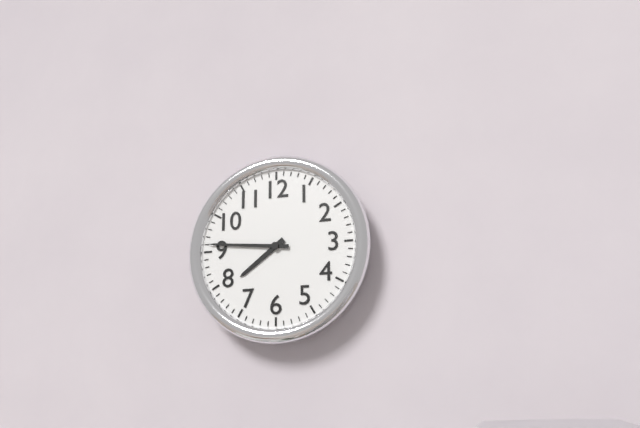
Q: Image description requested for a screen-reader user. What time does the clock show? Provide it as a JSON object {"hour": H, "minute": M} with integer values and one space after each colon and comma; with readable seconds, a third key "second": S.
{"hour": 7, "minute": 46}
